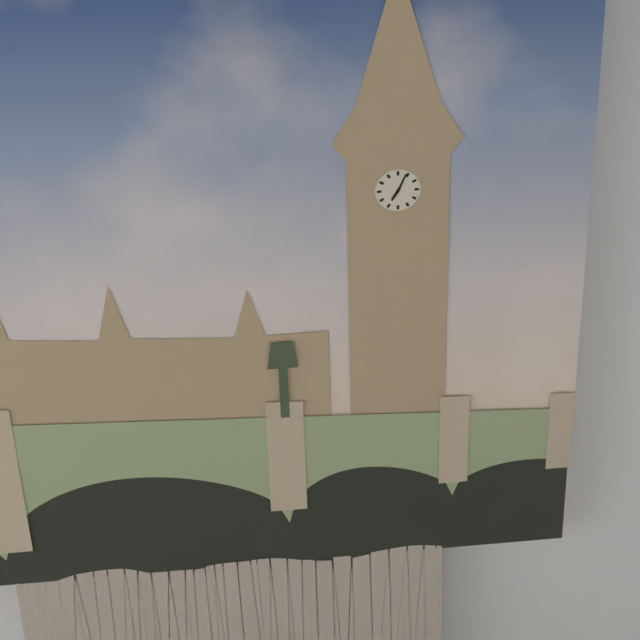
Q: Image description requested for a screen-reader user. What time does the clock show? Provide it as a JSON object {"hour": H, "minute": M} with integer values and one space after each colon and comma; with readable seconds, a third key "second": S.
{"hour": 7, "minute": 4}
